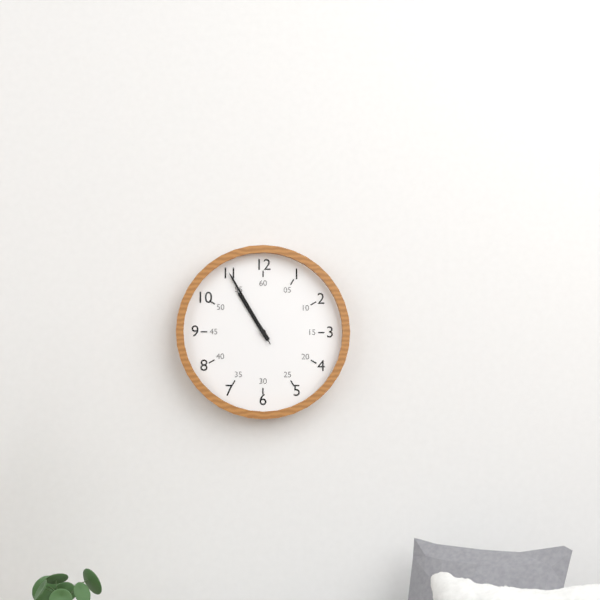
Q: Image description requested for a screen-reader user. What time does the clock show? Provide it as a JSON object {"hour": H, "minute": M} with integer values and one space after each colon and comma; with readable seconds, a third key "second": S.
{"hour": 10, "minute": 55, "second": 55}
